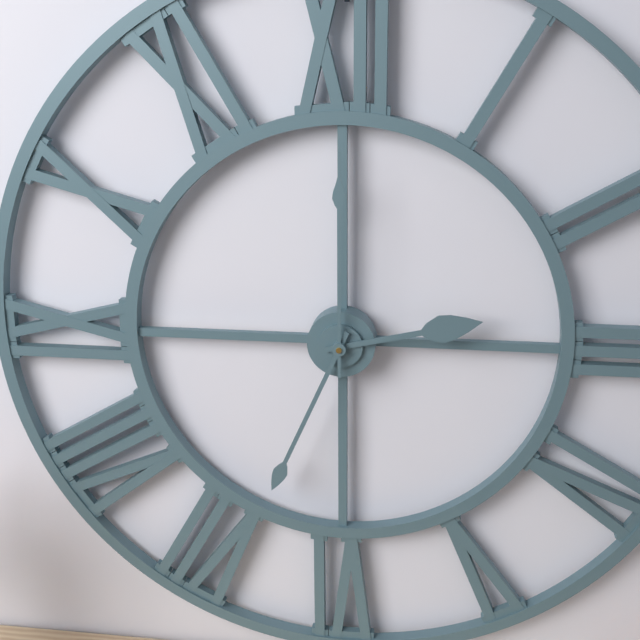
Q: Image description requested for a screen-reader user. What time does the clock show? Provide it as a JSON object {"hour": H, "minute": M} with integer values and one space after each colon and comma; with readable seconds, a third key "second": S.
{"hour": 2, "minute": 34, "second": 0}
